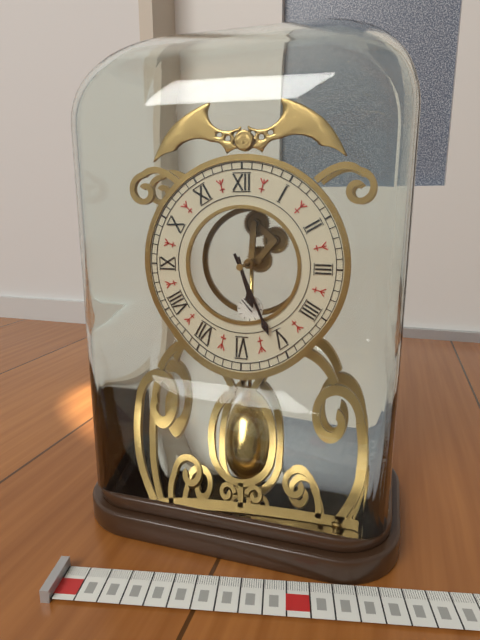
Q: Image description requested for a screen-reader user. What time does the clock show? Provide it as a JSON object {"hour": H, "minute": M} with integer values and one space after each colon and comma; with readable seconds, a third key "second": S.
{"hour": 5, "minute": 26}
